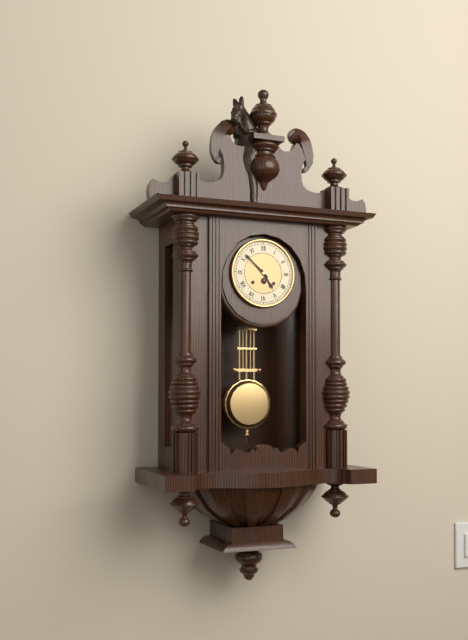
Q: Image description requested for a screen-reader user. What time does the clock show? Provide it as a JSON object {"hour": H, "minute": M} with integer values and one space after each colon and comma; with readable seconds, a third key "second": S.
{"hour": 4, "minute": 52}
